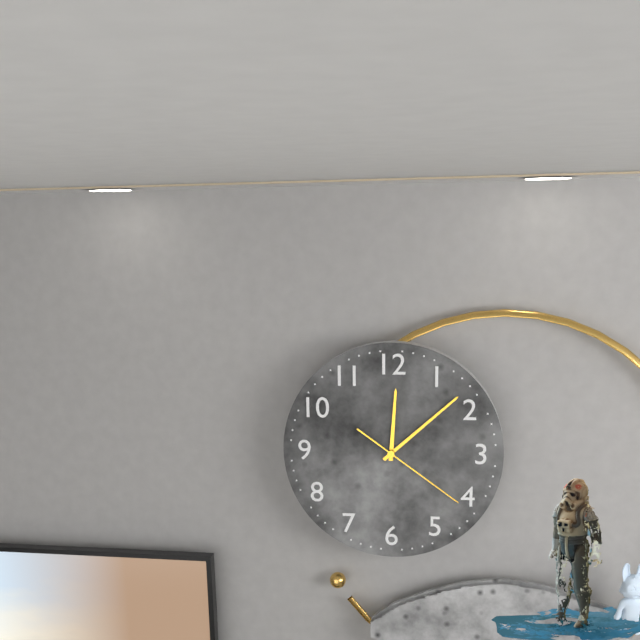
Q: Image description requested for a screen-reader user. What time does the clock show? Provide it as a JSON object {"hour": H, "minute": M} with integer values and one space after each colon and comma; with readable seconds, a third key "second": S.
{"hour": 12, "minute": 8, "second": 21}
